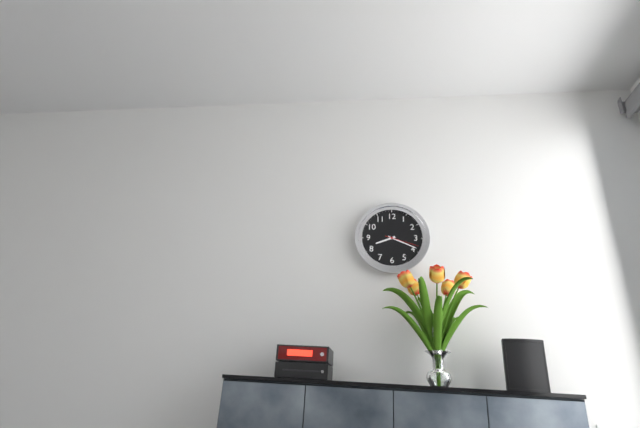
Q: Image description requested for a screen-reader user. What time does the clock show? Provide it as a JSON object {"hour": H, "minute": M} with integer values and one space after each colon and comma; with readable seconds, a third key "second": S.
{"hour": 8, "minute": 19}
